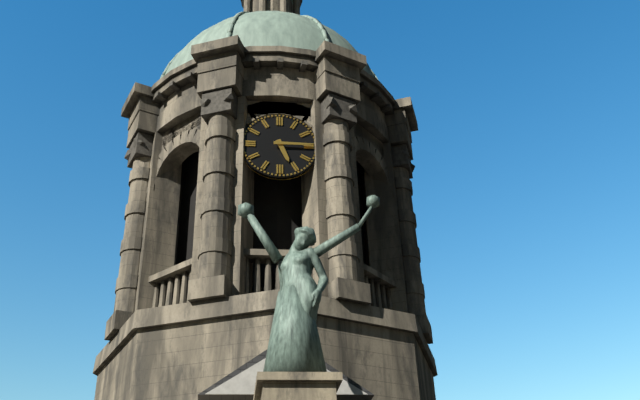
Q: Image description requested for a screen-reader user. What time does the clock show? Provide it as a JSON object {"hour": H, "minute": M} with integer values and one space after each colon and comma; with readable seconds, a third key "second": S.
{"hour": 5, "minute": 15}
